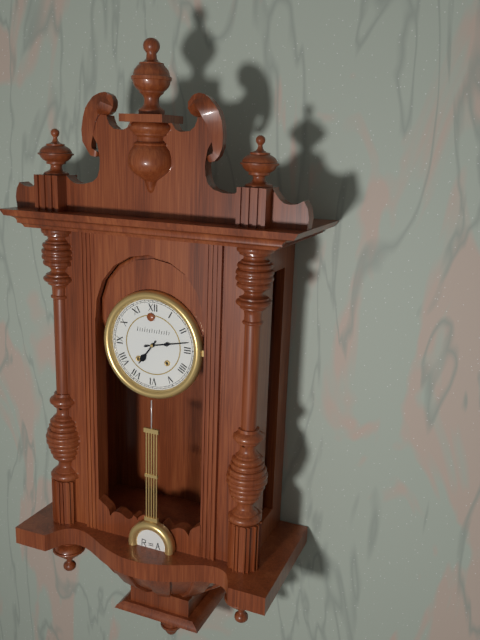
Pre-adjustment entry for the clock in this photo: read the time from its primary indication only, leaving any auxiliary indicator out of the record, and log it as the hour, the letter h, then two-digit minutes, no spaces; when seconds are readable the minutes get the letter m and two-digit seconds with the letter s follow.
7h13
